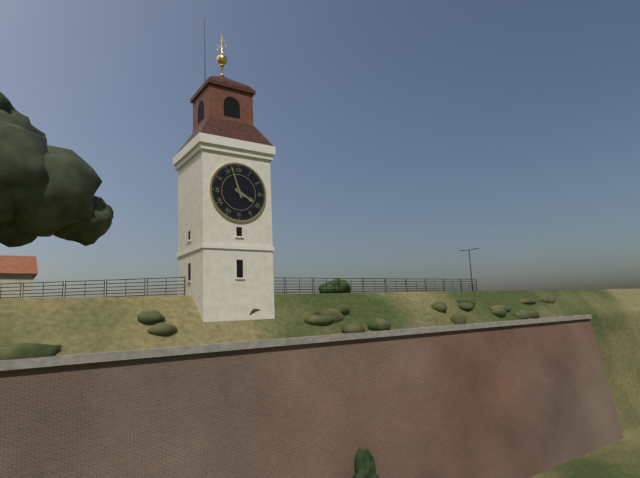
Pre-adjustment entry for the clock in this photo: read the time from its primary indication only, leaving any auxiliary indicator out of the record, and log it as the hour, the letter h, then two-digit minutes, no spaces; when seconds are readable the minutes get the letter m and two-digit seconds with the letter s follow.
3h57
